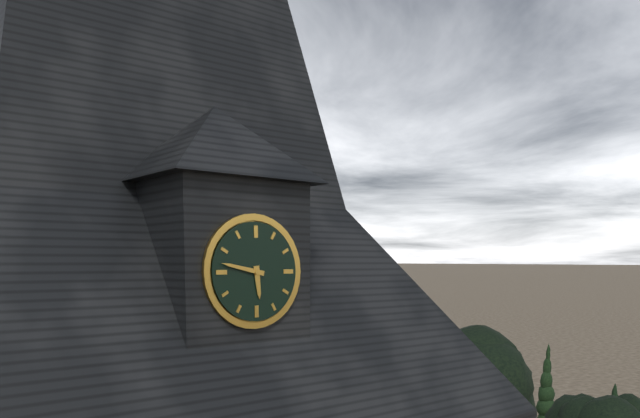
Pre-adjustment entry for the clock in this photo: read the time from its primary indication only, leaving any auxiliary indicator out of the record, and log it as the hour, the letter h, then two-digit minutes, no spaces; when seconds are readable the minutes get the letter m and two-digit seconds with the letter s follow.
5h47
